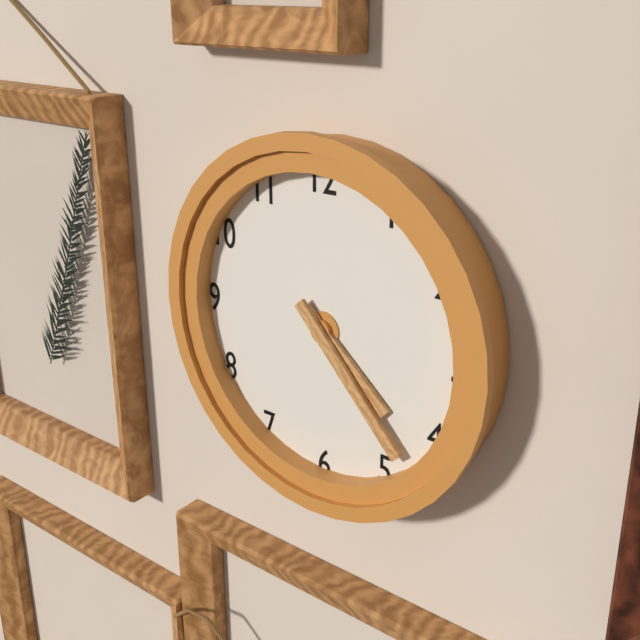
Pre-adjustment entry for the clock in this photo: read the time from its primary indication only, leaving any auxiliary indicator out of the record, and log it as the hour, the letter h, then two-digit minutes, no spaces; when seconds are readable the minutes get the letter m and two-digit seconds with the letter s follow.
4h23
